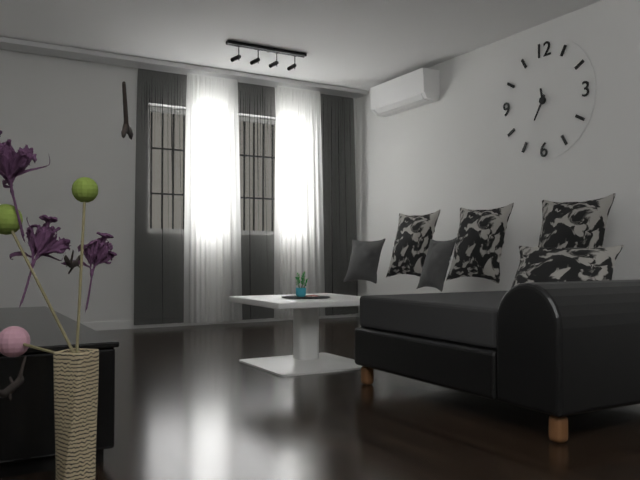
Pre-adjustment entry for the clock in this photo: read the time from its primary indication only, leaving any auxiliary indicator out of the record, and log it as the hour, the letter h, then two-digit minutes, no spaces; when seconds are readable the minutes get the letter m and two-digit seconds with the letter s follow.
11h35
